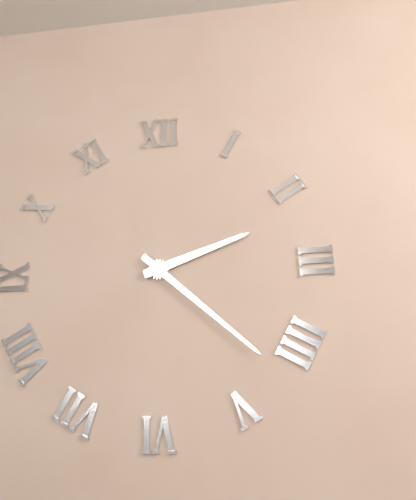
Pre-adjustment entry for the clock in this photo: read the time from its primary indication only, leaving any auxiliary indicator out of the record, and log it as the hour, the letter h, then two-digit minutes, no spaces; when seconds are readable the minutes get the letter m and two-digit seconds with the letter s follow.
2h22
